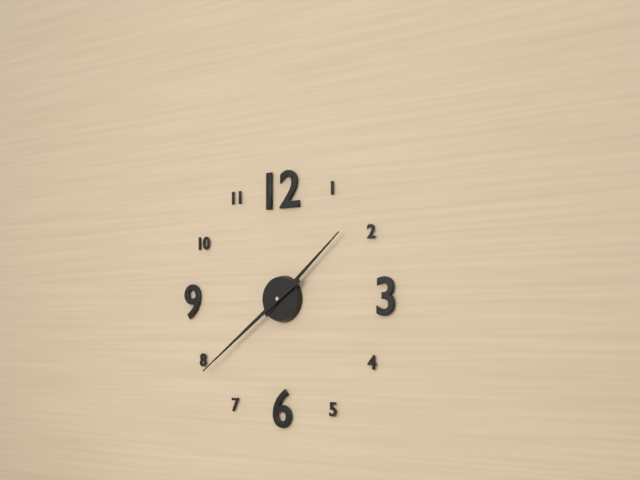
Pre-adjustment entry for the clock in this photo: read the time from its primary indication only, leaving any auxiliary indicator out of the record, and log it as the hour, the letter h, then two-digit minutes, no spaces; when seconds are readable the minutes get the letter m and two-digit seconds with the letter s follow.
1h39
